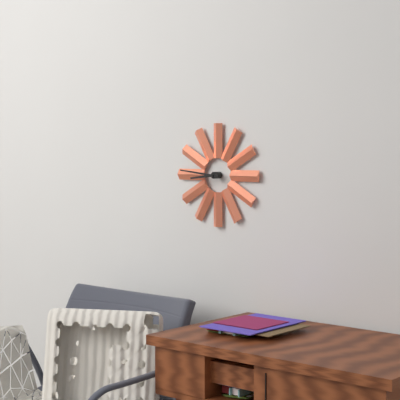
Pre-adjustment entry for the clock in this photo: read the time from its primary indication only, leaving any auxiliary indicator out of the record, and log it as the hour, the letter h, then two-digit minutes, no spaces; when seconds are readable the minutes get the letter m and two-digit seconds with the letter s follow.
8h46
